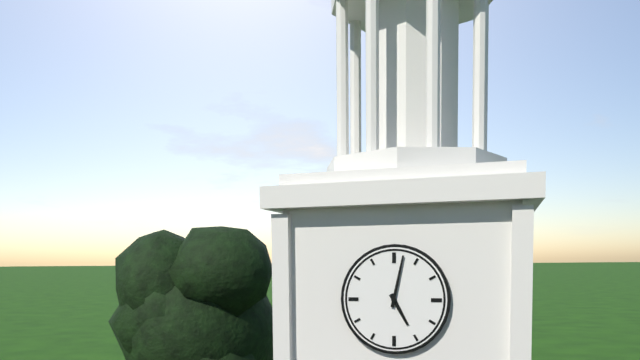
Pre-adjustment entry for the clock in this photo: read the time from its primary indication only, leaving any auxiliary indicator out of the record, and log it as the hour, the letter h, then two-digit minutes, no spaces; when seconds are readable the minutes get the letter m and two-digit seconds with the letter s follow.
5h02
